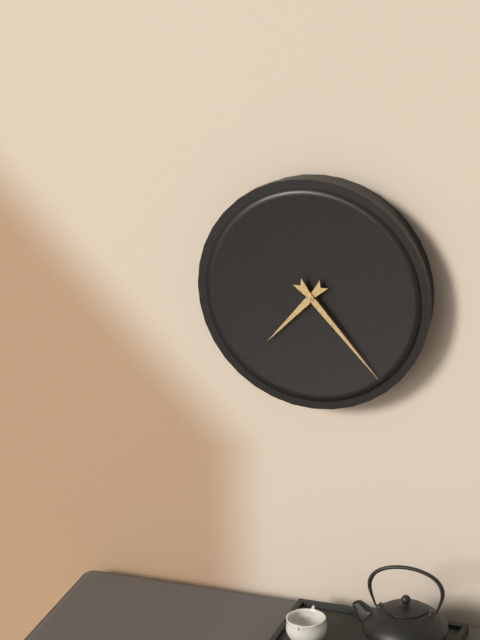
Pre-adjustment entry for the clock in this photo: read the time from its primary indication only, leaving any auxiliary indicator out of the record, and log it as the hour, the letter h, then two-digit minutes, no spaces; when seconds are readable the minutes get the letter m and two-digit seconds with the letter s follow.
7h23
